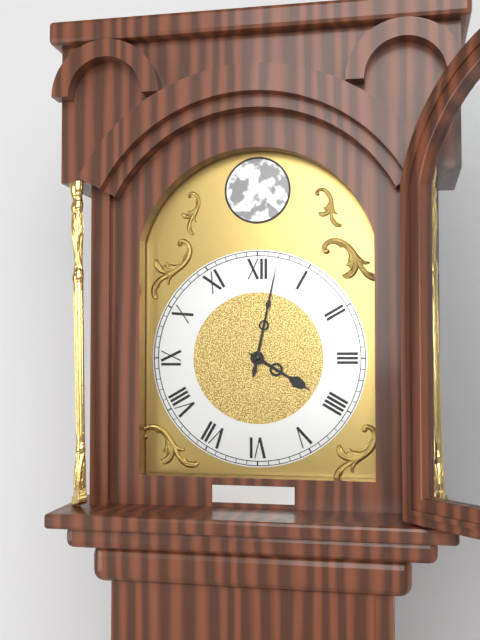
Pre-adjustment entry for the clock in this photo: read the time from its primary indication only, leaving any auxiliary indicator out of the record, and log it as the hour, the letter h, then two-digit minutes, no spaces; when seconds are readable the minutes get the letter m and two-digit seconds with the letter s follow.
4h02
